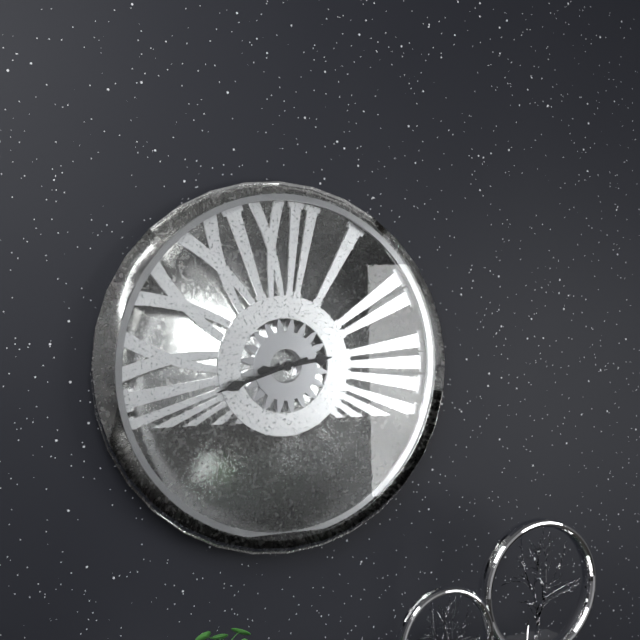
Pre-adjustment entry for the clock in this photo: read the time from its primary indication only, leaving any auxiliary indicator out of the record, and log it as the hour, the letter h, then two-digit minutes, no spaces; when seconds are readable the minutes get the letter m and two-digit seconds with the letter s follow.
2h42
